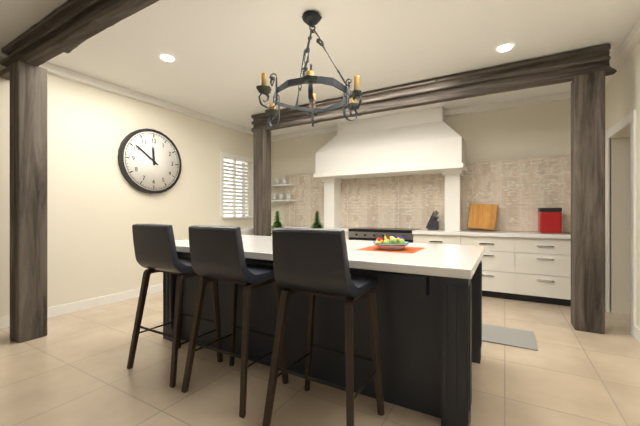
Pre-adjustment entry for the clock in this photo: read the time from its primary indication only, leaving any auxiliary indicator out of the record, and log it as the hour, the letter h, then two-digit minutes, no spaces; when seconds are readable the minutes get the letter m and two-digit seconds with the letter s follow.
11h51
